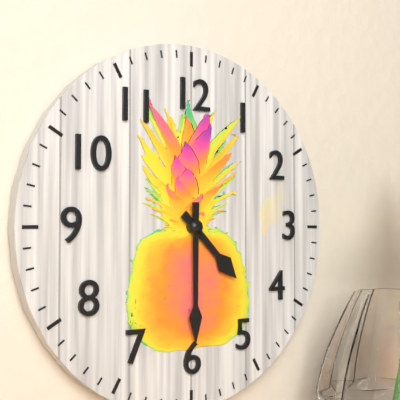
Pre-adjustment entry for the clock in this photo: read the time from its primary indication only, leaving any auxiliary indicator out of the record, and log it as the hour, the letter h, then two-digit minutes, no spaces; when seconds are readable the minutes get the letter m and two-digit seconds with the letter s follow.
4h30
